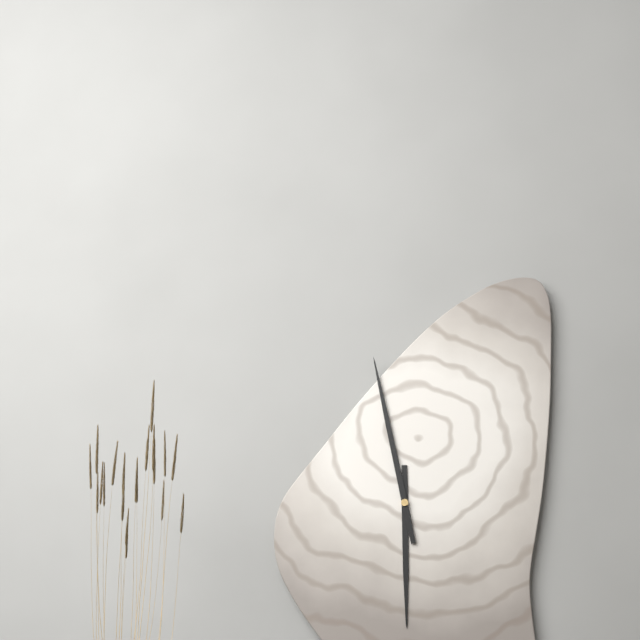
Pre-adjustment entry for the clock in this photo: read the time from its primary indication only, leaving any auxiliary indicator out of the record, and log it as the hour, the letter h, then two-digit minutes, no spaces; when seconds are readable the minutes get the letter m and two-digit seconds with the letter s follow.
5h58
